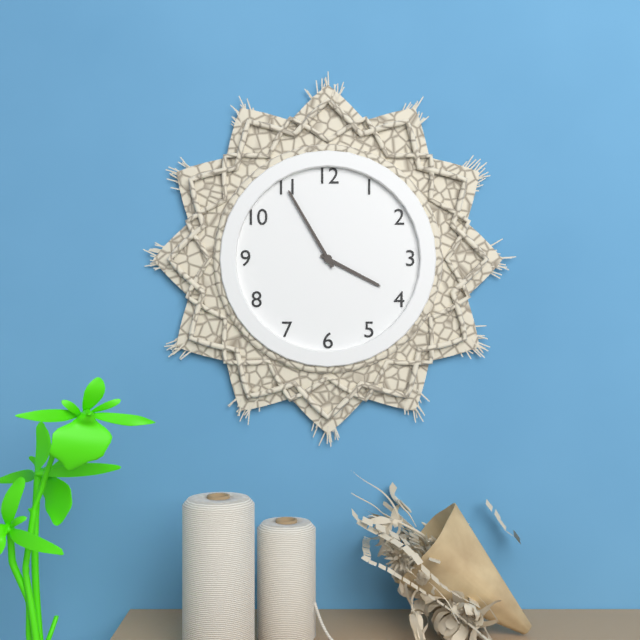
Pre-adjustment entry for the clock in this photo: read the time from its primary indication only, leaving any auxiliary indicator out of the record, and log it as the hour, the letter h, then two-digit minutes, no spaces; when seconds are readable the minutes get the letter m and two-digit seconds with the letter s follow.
3h55
